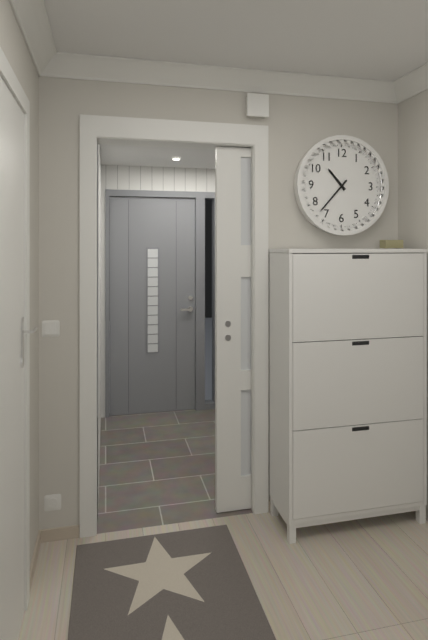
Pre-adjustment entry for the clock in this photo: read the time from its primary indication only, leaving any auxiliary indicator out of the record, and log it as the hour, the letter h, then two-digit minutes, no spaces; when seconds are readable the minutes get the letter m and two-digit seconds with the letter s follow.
10h37
